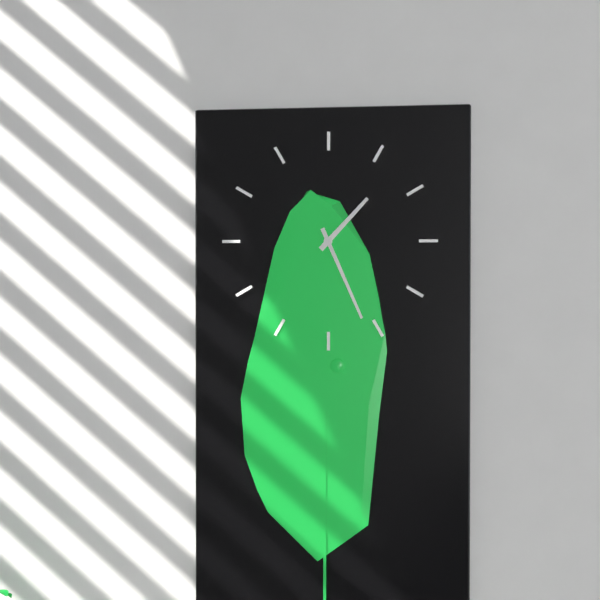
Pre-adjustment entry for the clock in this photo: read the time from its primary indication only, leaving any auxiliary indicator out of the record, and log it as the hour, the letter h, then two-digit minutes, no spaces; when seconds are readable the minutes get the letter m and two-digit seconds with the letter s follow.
1h26
